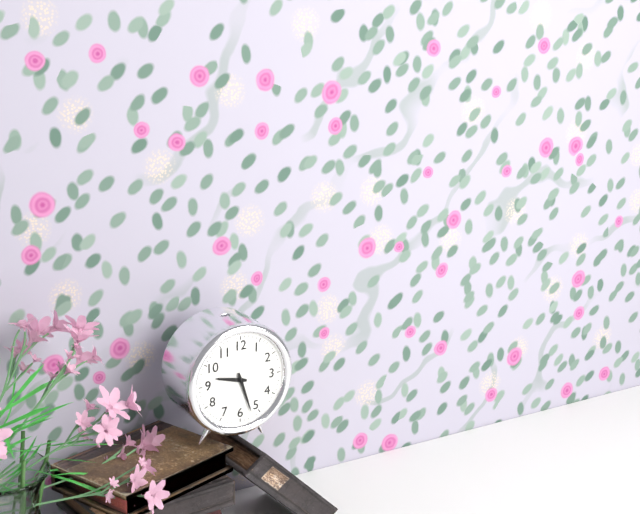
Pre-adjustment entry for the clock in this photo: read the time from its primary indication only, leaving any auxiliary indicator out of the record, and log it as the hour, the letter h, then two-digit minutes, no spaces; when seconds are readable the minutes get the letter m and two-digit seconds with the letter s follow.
9h27
